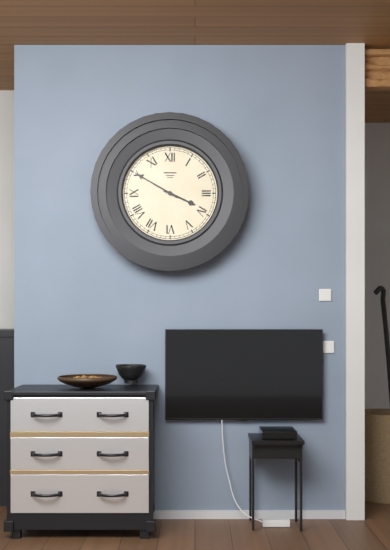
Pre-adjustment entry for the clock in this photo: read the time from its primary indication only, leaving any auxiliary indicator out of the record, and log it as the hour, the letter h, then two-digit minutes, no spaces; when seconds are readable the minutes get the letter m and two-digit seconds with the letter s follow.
3h50
